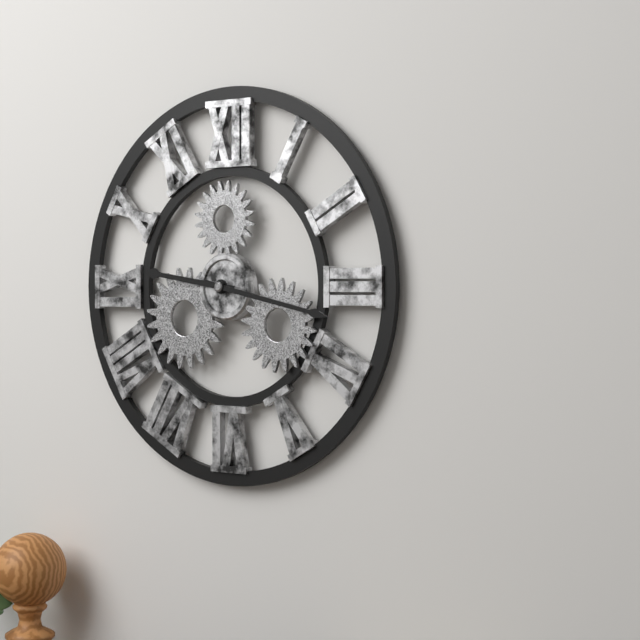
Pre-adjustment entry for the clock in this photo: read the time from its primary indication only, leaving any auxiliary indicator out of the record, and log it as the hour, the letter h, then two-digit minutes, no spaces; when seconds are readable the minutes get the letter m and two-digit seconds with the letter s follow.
9h17
